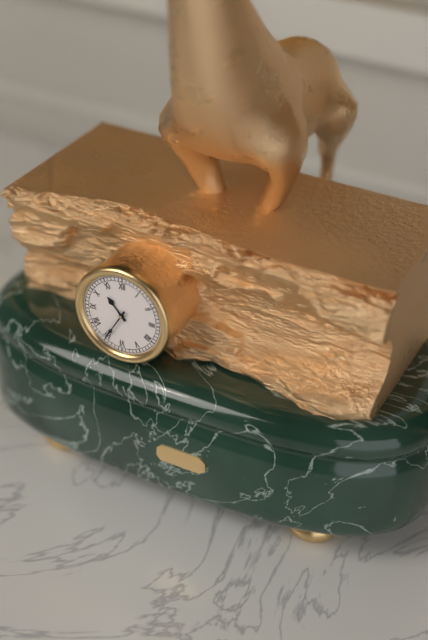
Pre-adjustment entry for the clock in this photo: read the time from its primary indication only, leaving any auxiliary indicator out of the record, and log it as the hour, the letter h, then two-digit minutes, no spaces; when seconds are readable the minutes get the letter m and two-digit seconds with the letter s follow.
10h35
